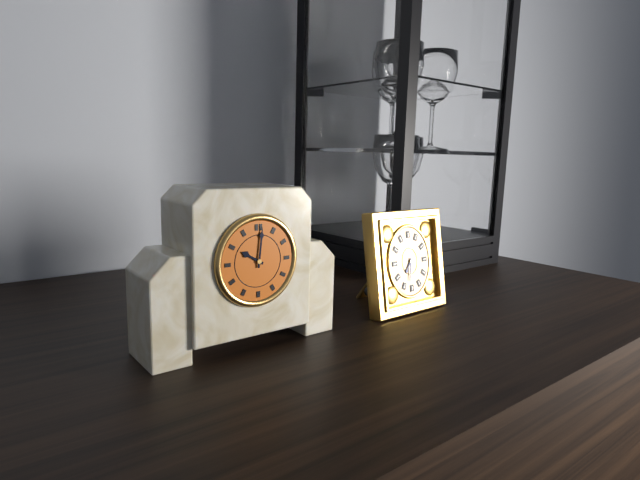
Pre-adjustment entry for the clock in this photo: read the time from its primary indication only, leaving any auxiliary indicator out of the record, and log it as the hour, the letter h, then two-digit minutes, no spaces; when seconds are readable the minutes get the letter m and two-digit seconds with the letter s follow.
10h01
